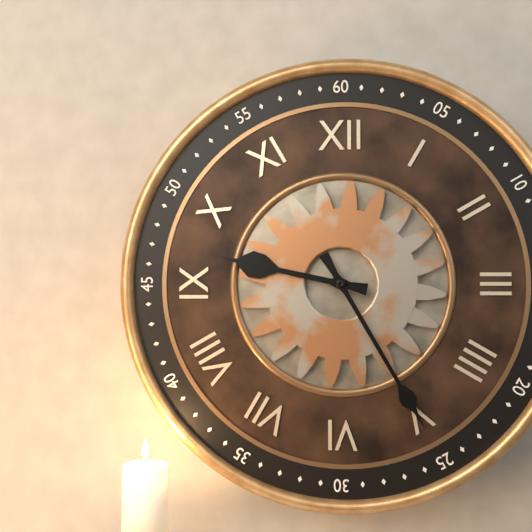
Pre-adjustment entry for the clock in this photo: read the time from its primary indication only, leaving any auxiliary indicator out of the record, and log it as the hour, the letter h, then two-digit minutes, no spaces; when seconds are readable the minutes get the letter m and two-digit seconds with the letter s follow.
9h25
